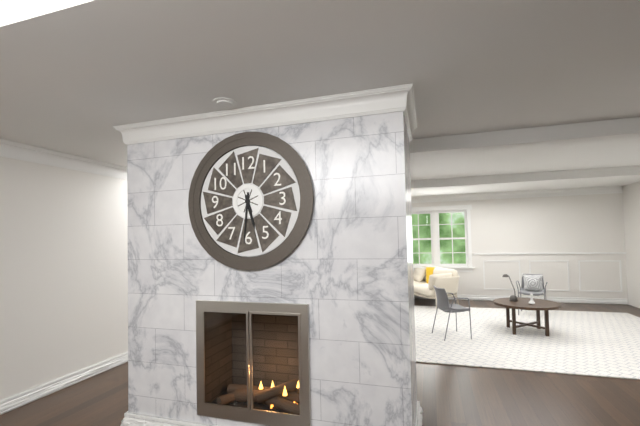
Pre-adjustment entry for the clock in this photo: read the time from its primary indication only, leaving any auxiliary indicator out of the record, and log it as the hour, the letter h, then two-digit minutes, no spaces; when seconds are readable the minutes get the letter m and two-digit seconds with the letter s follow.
5h31
